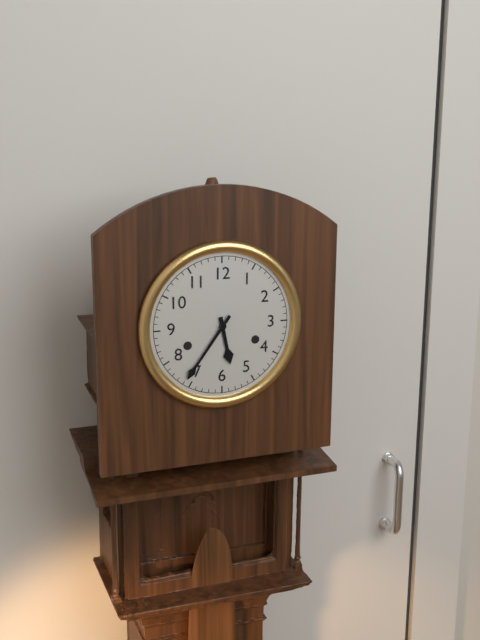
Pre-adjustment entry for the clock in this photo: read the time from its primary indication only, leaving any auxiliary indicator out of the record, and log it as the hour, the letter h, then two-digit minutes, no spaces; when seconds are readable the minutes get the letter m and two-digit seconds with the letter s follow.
5h36
